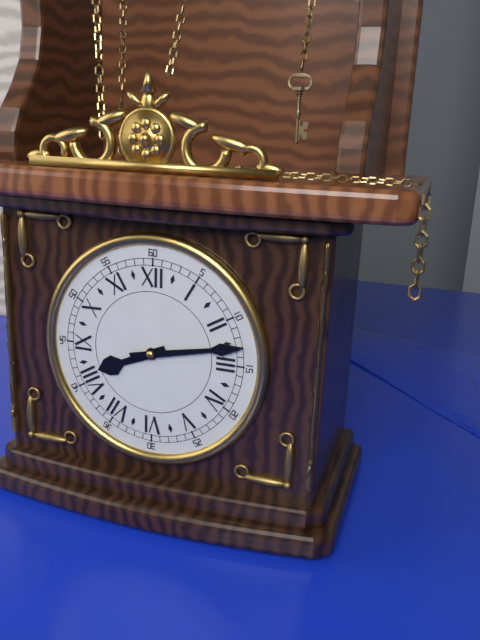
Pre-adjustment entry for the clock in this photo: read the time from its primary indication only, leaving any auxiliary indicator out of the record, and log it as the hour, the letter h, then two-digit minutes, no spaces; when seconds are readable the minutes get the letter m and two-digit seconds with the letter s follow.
8h13
